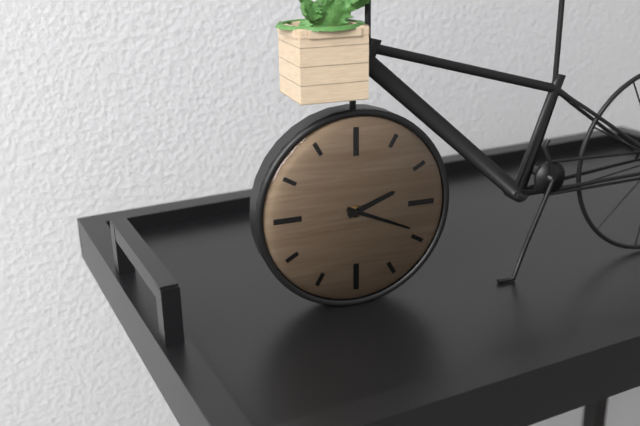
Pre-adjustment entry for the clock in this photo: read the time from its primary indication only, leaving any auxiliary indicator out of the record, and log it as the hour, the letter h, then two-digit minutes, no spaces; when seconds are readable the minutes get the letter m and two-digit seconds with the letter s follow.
2h19
